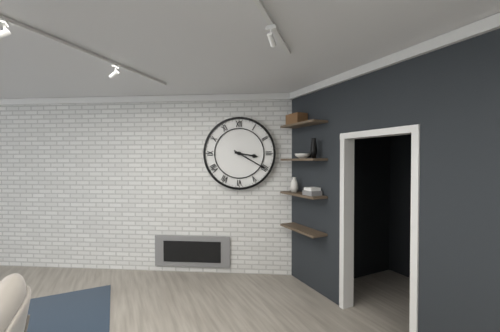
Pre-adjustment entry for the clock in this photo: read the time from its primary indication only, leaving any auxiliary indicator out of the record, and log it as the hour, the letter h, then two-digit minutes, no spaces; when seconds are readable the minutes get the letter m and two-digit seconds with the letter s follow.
3h20
